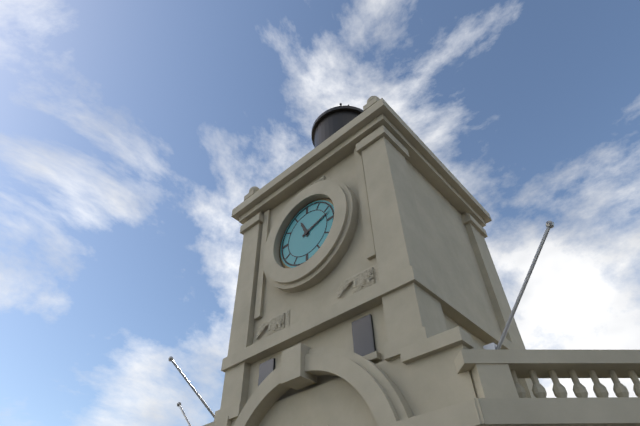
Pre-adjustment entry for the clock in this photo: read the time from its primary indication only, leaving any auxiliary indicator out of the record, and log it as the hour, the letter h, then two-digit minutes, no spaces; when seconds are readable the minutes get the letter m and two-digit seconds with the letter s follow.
11h12
